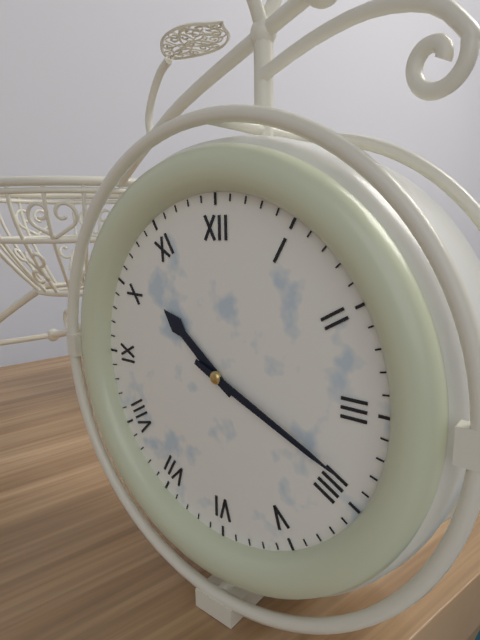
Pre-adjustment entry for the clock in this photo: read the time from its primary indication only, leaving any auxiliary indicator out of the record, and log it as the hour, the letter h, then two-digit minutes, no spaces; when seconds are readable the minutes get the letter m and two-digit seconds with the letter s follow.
10h19
